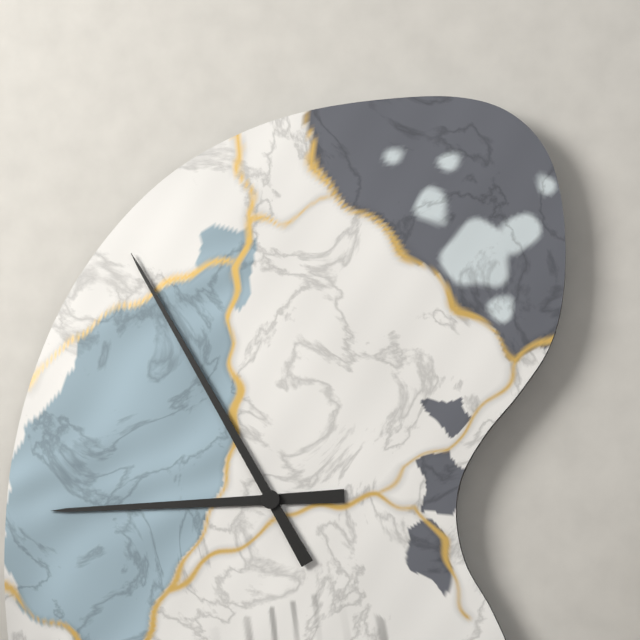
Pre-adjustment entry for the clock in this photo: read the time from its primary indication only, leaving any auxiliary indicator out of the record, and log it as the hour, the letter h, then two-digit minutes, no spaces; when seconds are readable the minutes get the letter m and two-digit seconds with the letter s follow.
8h55
